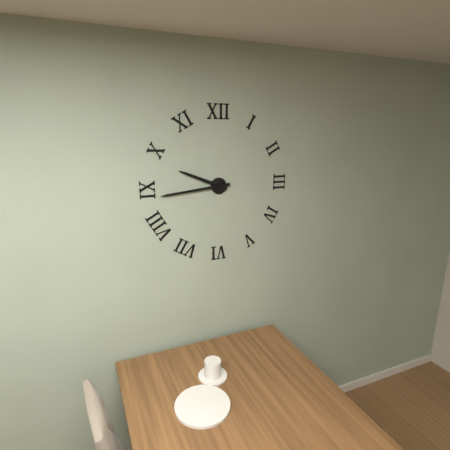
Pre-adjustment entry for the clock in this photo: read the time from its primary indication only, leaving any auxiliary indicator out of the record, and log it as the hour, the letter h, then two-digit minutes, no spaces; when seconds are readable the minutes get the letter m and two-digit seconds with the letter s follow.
9h44
